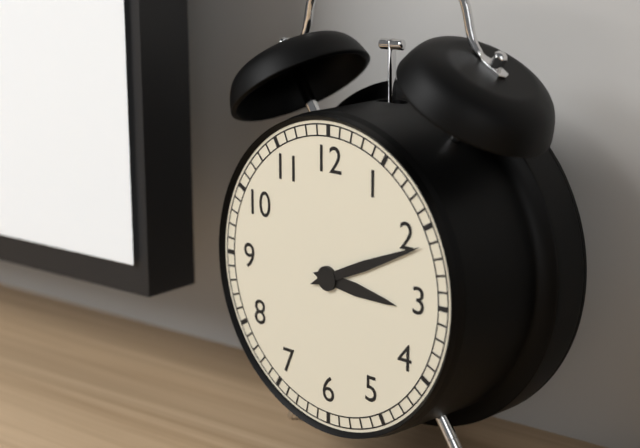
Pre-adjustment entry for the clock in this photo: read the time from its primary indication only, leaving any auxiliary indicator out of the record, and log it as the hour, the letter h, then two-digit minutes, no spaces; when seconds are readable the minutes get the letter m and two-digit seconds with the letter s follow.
3h11
